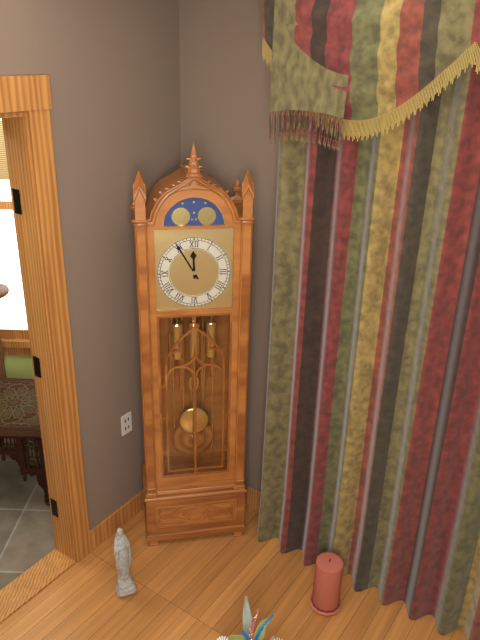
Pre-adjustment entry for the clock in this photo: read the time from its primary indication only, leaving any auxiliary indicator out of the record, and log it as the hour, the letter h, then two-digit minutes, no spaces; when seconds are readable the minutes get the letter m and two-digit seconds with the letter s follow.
11h55
